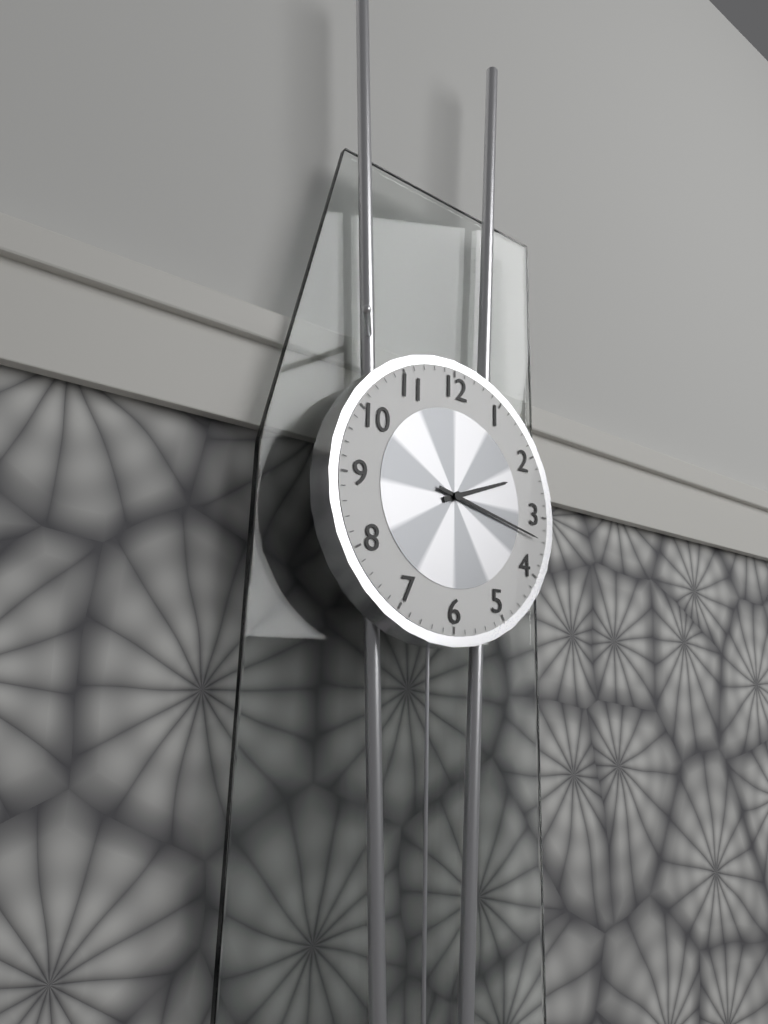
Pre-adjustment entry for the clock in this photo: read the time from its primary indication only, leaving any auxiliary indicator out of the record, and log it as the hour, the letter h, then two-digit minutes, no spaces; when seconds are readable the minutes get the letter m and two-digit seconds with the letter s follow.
2h17
